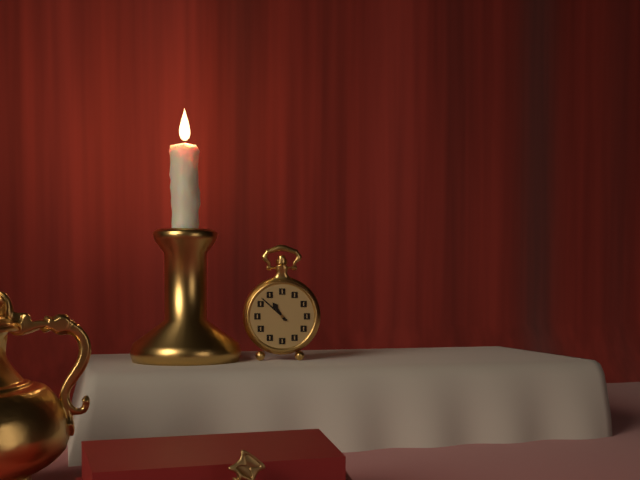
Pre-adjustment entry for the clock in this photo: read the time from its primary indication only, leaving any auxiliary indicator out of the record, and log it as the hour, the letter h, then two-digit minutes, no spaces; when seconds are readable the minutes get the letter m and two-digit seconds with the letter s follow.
10h52
